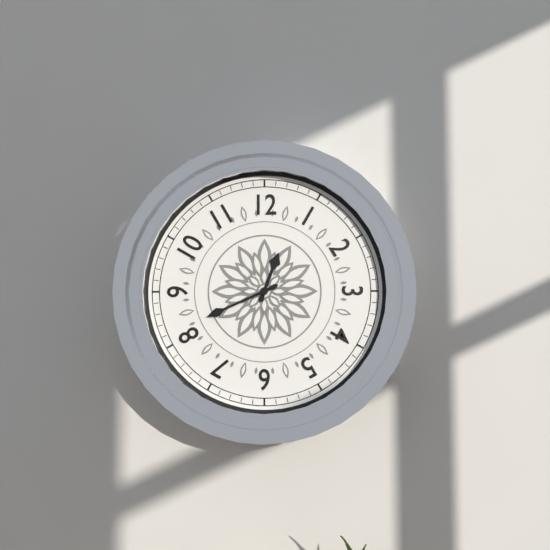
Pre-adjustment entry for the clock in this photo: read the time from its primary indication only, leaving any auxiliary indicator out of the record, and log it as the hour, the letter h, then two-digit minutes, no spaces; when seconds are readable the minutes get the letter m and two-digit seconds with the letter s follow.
12h41
